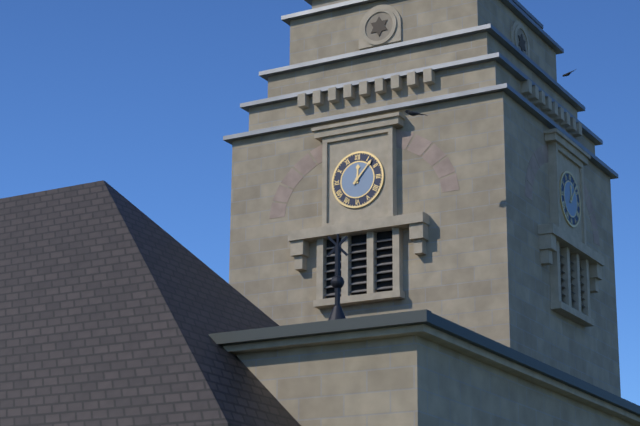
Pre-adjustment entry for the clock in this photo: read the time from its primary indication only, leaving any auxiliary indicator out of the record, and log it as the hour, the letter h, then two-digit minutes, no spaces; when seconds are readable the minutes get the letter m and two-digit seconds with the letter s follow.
12h07
